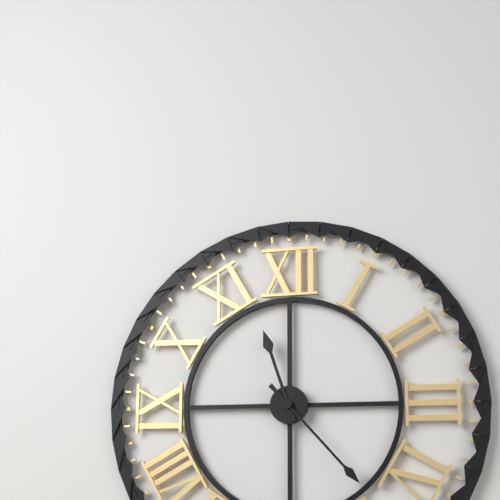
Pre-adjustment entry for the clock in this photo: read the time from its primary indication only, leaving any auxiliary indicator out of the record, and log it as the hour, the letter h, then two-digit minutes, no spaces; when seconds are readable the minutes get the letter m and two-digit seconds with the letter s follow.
11h23
